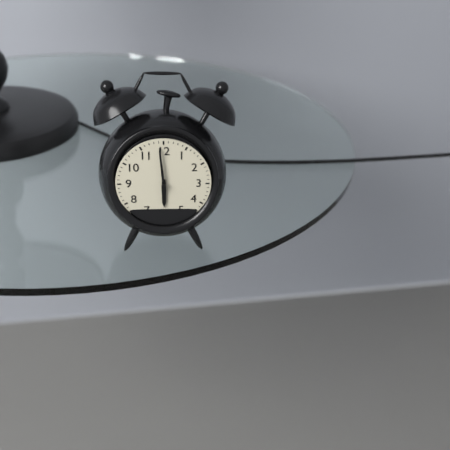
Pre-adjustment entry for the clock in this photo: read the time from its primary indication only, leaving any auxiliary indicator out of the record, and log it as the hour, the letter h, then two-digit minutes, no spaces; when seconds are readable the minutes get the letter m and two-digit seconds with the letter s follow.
5h59
